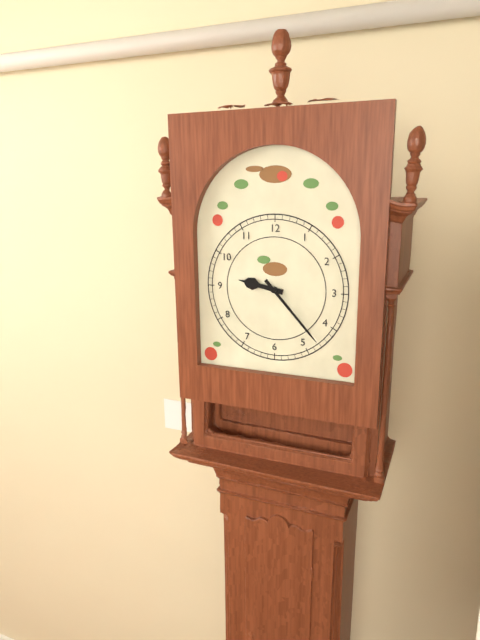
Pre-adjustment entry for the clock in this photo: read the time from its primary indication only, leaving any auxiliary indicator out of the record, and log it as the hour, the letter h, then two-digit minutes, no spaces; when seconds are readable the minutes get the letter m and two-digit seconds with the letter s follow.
9h23
